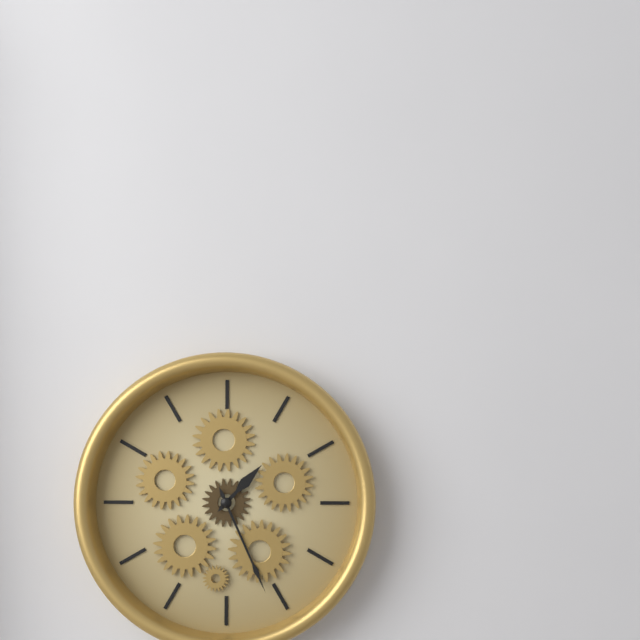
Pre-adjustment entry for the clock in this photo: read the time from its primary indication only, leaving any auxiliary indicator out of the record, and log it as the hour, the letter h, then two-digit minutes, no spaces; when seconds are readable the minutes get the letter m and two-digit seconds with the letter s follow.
1h26
